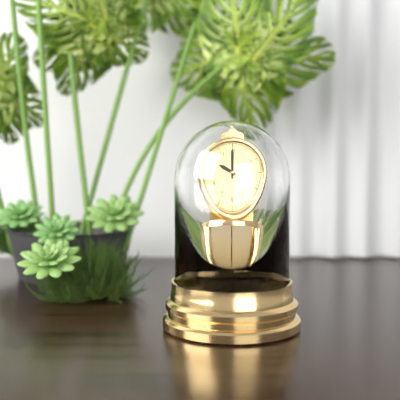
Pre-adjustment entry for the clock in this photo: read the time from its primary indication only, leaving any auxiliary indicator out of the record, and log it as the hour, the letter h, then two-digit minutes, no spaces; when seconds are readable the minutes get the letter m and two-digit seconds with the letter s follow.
10h00
